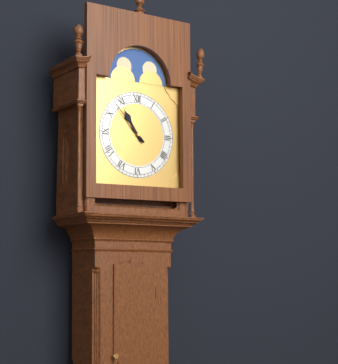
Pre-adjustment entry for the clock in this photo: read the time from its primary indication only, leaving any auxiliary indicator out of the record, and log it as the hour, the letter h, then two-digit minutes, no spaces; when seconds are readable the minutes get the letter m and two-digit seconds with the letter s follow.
10h53
